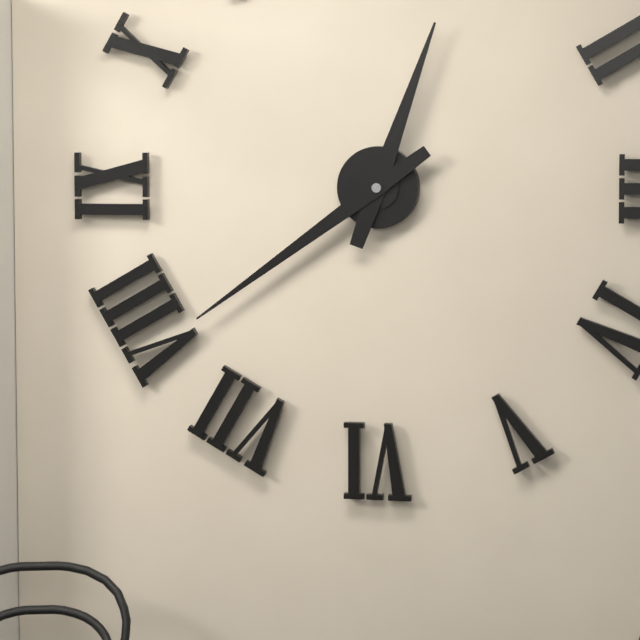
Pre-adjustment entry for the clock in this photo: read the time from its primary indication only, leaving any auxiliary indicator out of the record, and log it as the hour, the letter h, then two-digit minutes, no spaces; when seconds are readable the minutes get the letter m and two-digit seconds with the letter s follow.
12h39
